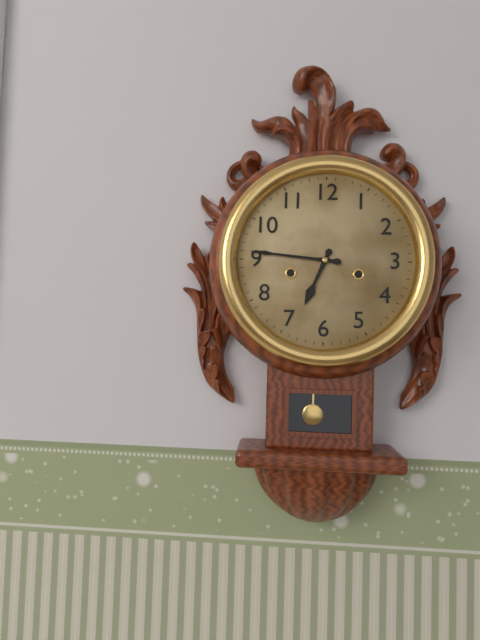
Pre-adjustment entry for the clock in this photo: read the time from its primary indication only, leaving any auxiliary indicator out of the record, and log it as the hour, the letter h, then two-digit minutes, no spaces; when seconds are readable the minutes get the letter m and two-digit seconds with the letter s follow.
6h46
